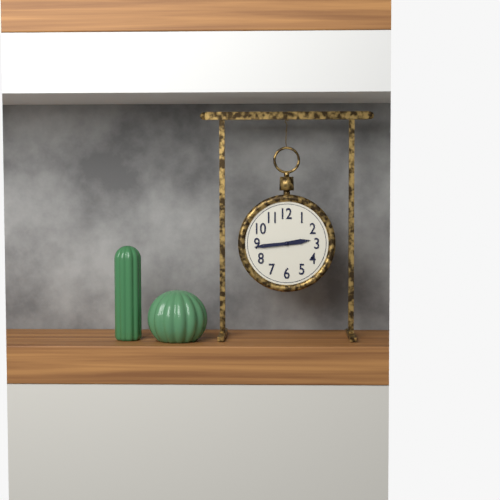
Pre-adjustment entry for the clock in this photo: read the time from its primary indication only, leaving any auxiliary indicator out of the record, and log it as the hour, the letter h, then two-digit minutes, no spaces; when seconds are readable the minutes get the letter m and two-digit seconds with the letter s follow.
2h44
